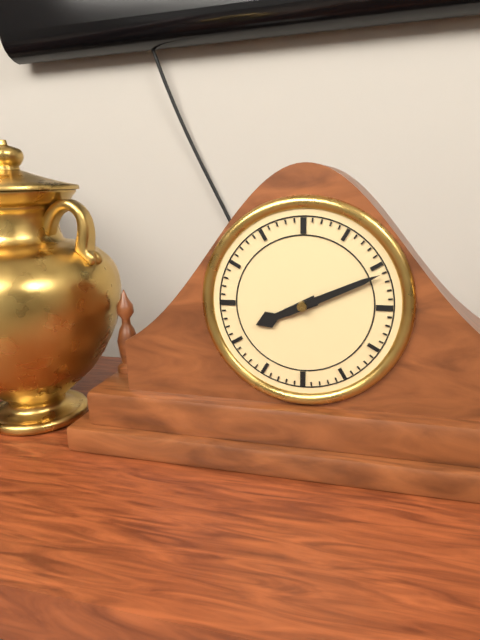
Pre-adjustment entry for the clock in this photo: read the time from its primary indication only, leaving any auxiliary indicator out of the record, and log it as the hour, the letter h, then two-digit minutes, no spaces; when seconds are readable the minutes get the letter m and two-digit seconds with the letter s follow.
8h11
